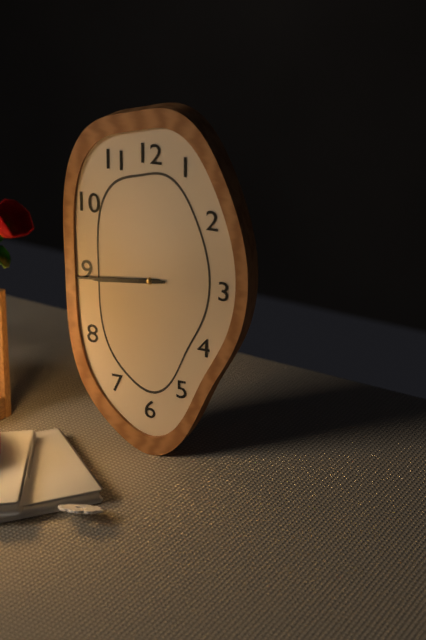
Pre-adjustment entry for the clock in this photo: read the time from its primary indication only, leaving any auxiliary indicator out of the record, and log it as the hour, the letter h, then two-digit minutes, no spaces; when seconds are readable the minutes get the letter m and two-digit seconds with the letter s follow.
8h44
